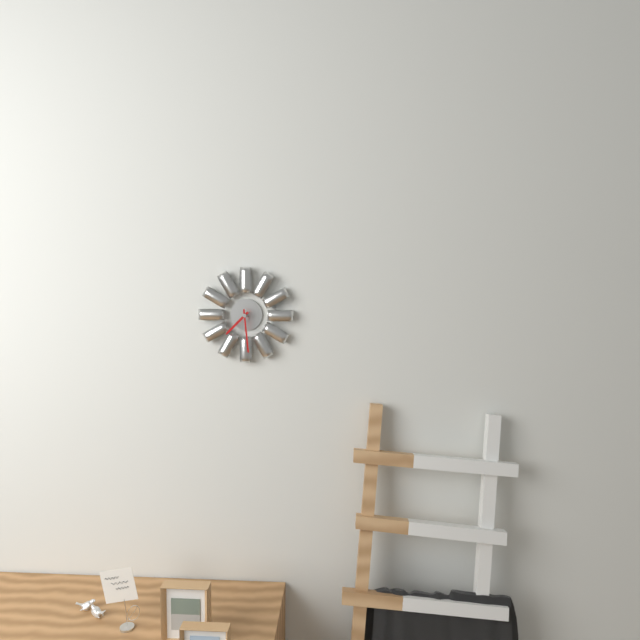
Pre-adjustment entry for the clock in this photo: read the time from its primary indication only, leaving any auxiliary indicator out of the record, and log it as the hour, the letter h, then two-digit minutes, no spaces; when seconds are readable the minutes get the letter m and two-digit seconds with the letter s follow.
7h29
